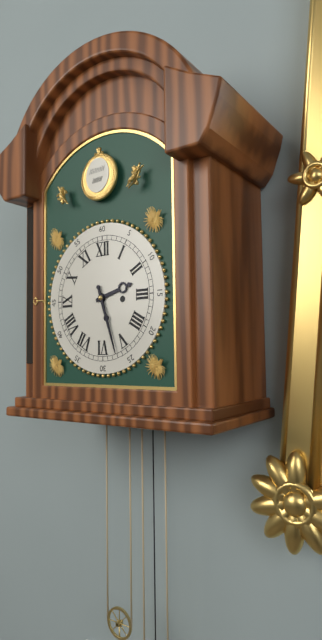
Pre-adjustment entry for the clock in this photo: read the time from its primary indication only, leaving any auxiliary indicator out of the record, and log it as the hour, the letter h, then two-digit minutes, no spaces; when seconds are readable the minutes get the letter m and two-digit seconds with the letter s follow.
2h27
